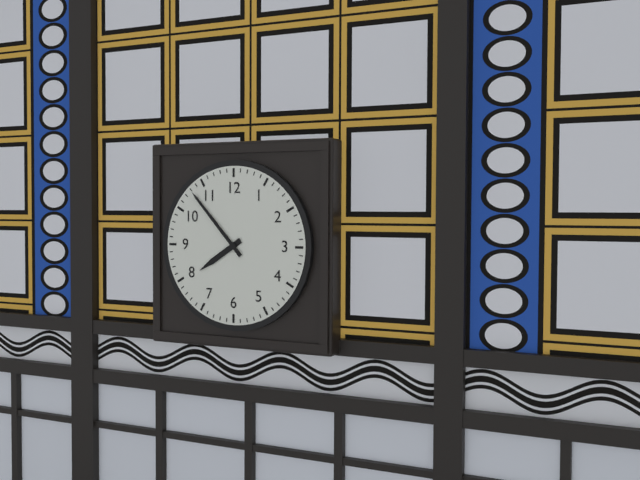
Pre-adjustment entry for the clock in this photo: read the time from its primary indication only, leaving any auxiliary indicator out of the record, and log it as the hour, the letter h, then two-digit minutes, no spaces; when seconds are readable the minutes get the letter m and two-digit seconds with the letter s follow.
7h53
